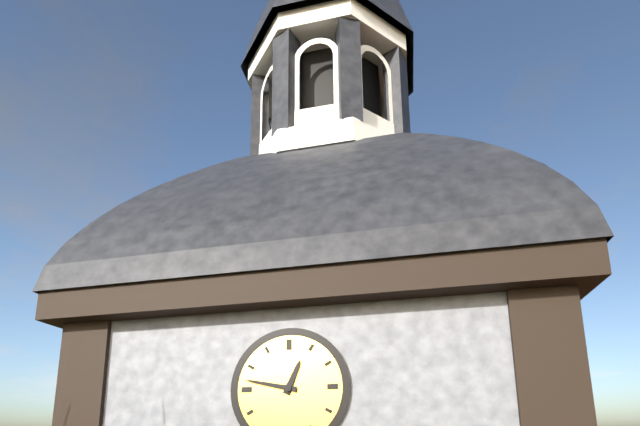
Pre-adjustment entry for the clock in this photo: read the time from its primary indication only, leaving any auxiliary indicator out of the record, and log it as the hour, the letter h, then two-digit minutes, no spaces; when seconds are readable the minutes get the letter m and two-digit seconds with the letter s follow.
12h47
